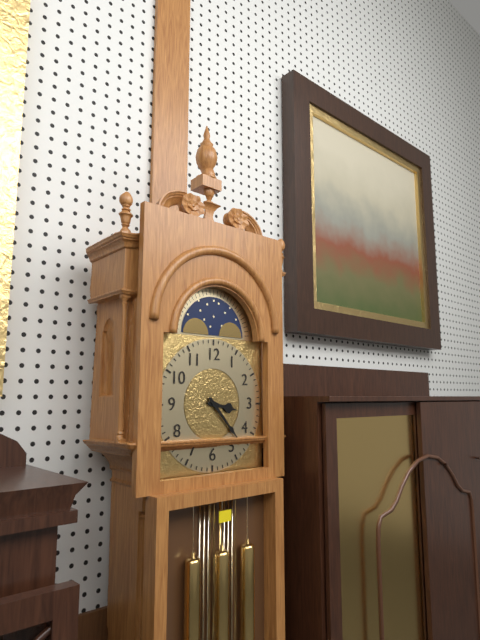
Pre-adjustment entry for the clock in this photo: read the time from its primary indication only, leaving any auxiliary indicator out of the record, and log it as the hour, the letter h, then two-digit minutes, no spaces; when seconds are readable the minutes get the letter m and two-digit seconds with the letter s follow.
3h23
